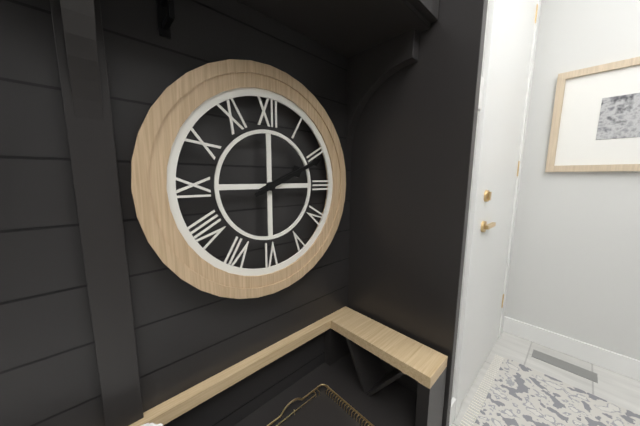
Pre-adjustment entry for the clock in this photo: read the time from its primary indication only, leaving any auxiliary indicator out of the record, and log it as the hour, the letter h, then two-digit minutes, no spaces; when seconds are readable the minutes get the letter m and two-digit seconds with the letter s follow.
2h11
